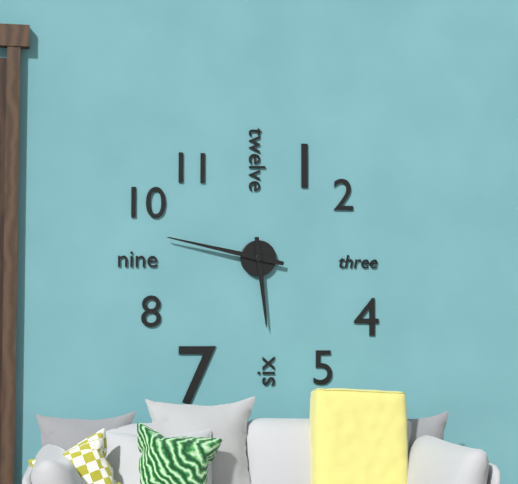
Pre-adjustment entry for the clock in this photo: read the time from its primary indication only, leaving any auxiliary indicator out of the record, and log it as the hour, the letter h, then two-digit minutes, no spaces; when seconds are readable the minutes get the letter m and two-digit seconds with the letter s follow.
5h47
